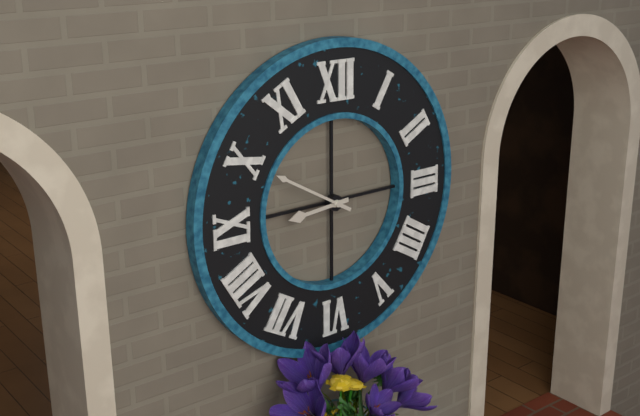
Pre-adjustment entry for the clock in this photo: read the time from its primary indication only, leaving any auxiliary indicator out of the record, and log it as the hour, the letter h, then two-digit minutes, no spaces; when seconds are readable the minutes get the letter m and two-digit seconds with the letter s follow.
8h50
